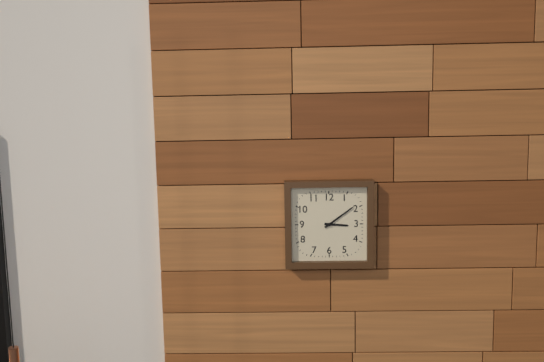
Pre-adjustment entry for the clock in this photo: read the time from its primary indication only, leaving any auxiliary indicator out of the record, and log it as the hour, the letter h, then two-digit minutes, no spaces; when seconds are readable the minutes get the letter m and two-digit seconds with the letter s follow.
3h09
